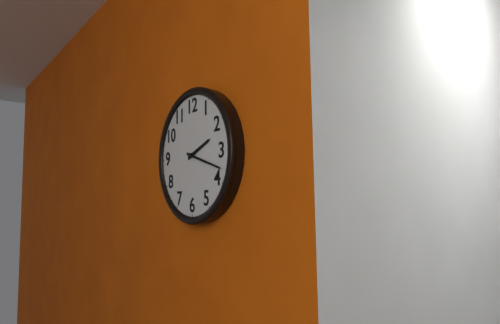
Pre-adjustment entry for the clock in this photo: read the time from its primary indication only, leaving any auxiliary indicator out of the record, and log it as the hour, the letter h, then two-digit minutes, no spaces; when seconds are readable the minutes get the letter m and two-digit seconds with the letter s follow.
2h18
